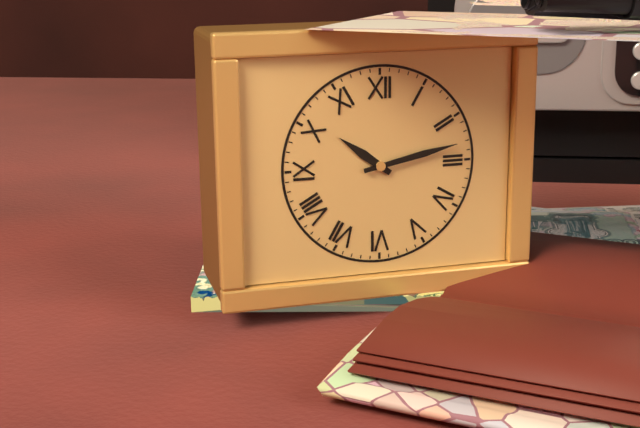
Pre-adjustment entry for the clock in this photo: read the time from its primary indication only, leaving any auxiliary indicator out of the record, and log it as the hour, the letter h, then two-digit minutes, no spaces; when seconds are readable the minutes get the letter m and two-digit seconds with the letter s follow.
10h13
